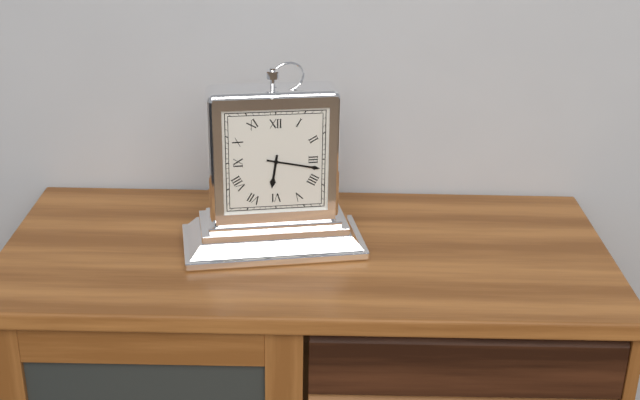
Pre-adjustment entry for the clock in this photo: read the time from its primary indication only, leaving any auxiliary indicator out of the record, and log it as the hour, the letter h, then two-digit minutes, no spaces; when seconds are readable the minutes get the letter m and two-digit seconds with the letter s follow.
6h17
